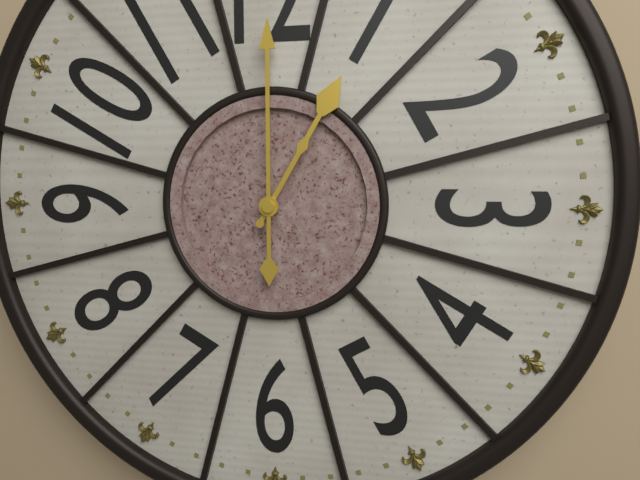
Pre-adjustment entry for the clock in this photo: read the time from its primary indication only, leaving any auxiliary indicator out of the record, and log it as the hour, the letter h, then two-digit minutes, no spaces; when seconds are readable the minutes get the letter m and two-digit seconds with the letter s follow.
1h00
